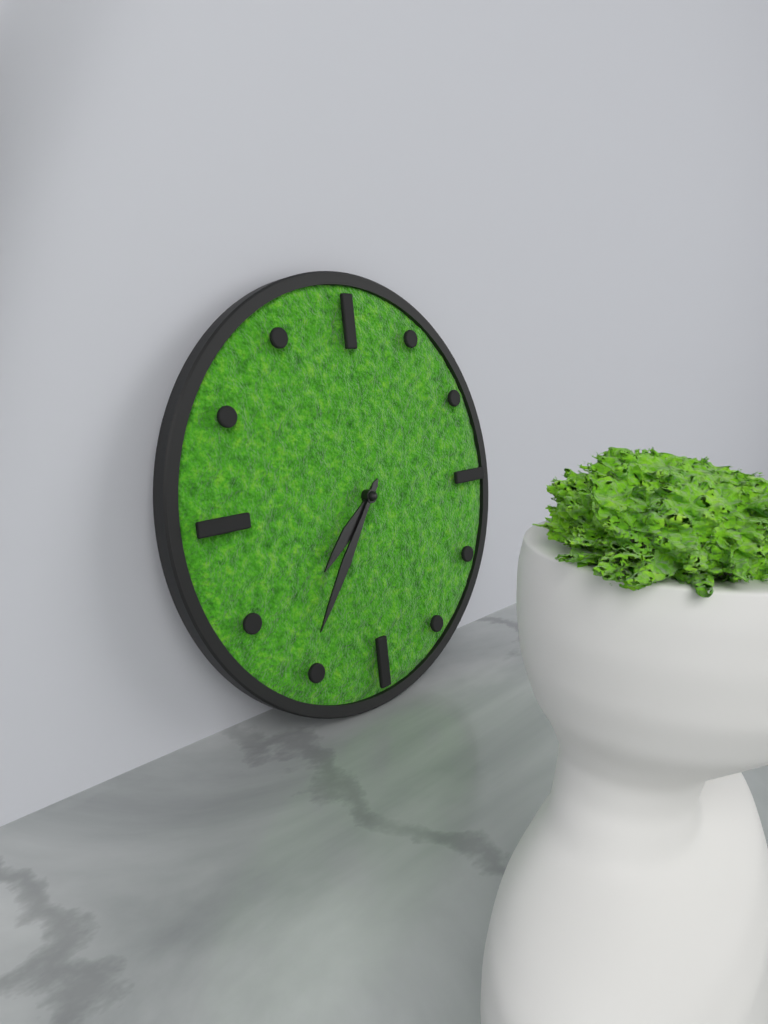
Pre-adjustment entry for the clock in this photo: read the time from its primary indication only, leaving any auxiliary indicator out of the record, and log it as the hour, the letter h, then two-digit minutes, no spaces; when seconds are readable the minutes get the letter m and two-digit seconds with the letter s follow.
7h36
